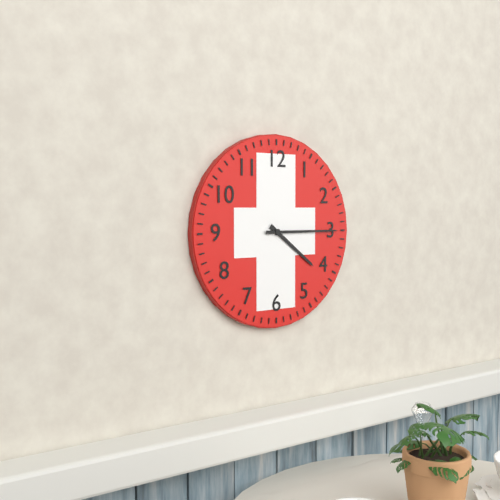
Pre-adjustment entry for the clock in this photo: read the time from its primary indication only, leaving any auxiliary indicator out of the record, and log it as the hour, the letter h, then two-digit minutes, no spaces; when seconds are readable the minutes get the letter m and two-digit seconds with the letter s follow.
4h15
